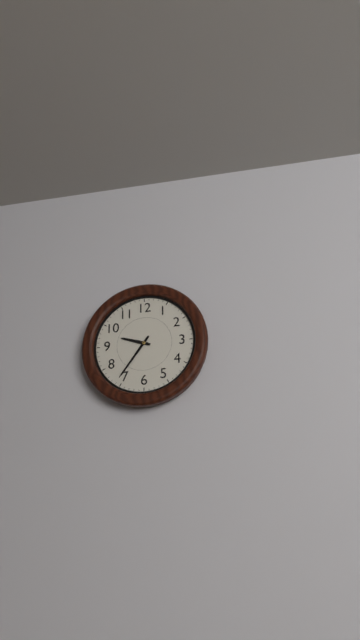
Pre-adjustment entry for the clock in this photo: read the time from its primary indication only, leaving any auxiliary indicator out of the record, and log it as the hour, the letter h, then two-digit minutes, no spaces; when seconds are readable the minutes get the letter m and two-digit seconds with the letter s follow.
9h36
